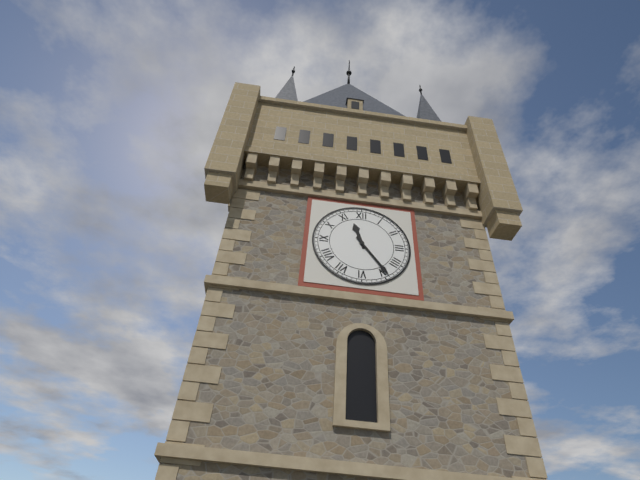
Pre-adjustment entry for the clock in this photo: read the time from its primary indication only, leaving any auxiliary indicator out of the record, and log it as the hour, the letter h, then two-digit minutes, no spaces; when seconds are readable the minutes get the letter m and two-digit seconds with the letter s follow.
11h24
